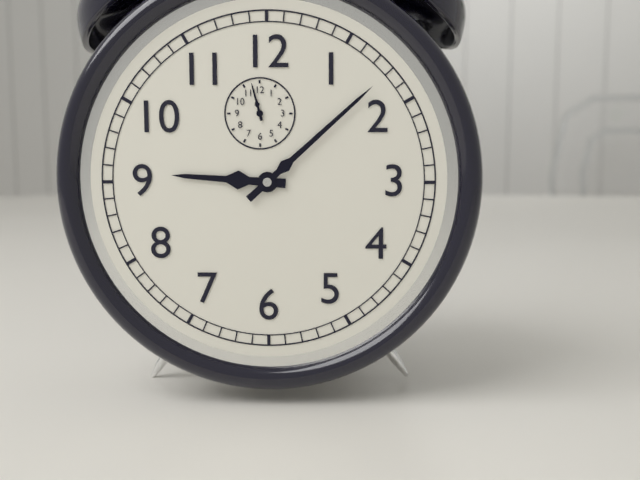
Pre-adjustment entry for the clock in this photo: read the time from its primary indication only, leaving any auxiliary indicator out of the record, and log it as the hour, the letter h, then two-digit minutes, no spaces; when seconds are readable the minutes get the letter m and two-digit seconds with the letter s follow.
9h08
